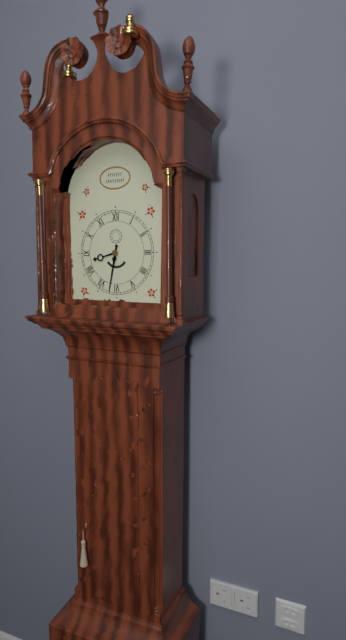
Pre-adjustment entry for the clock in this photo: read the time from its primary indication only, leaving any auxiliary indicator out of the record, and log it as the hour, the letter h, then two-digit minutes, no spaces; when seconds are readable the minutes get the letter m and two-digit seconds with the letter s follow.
8h32
